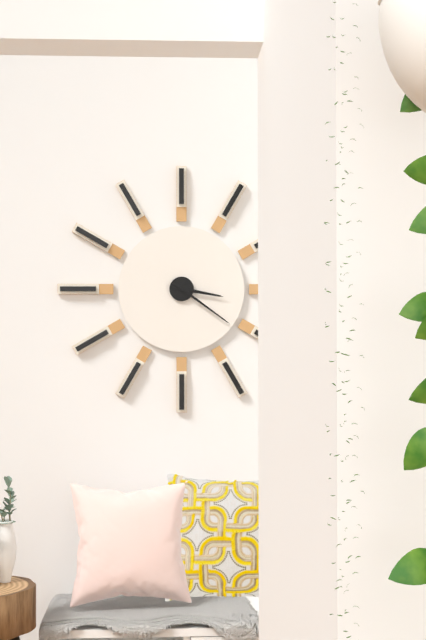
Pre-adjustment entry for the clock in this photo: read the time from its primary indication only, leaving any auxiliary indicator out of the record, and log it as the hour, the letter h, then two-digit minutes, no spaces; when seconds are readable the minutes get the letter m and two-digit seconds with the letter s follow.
3h21
